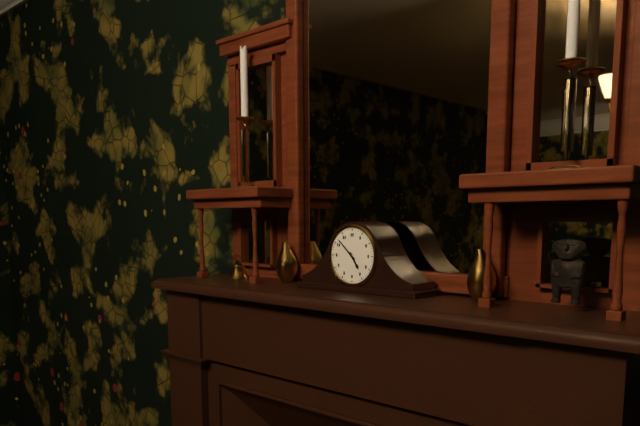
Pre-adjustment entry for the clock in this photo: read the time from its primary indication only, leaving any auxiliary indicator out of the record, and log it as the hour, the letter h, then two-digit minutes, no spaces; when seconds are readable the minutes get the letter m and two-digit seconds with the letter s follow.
4h52
